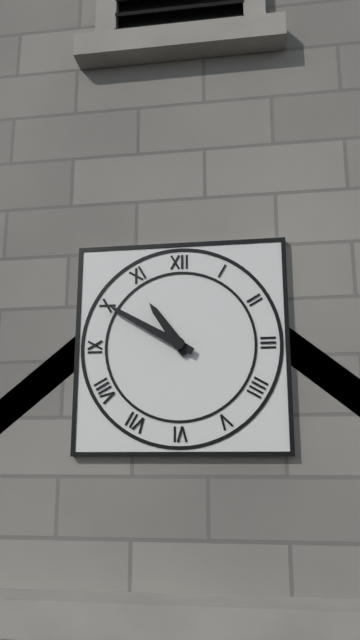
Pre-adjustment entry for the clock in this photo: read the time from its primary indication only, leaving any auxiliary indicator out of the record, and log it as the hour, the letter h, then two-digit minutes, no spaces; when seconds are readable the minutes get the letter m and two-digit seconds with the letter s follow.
10h50
